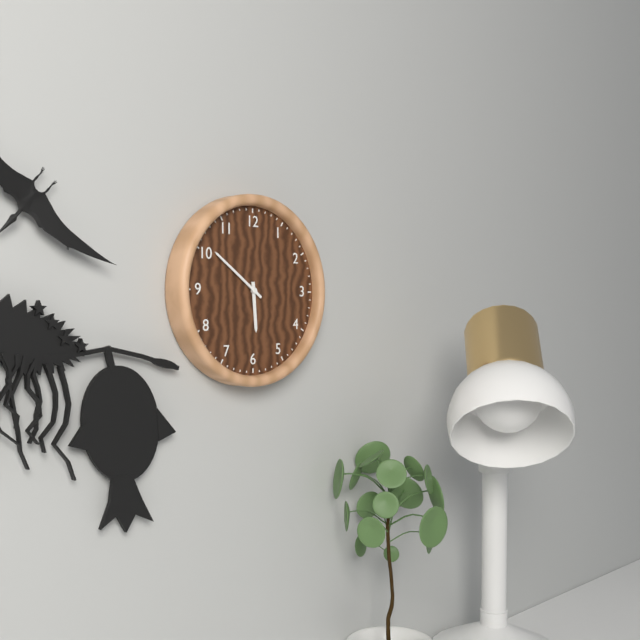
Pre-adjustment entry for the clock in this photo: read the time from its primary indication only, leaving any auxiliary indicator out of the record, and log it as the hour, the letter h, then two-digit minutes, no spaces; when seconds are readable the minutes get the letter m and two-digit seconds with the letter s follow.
5h51
